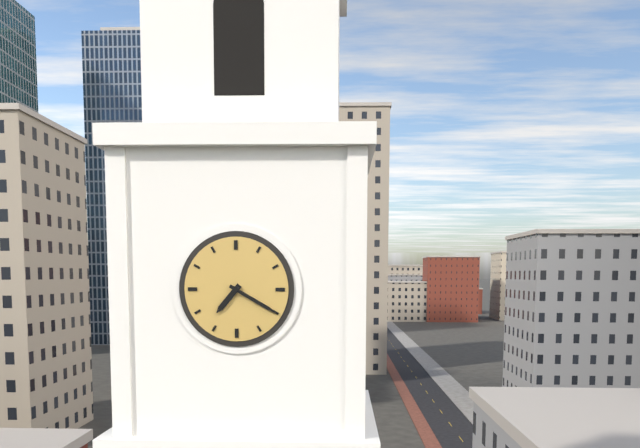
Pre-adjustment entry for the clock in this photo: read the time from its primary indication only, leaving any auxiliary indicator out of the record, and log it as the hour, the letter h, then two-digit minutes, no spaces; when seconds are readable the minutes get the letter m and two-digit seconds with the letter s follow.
7h20
